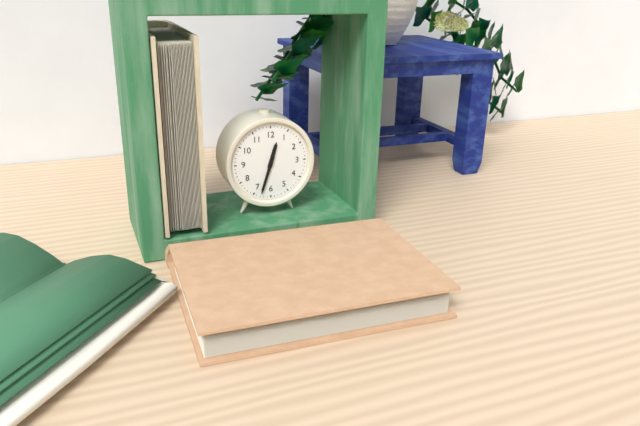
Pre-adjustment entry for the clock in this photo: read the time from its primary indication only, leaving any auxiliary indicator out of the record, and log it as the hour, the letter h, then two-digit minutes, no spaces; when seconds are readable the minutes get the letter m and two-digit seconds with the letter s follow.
12h33
